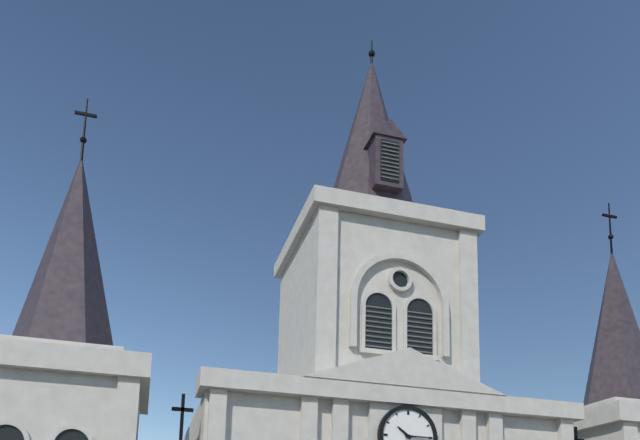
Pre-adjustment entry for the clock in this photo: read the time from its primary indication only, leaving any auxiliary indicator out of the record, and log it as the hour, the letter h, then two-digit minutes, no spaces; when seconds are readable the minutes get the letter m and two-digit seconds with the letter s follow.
10h15
